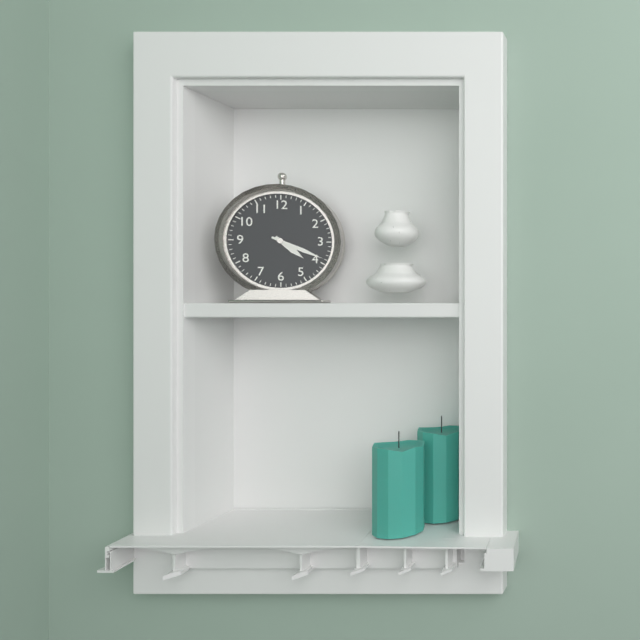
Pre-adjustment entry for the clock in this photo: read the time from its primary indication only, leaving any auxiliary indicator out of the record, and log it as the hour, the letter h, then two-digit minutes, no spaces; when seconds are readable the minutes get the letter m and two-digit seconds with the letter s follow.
4h19
